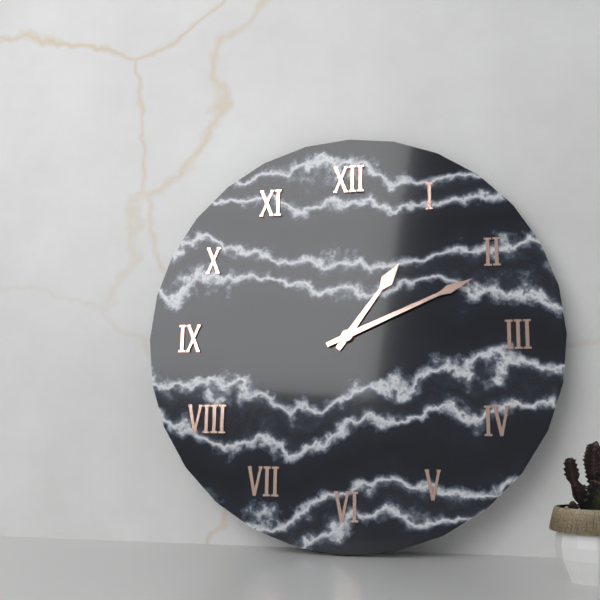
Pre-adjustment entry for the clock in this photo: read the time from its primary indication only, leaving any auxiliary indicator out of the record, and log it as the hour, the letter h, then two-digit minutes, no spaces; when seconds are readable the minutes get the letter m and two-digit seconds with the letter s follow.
1h11
